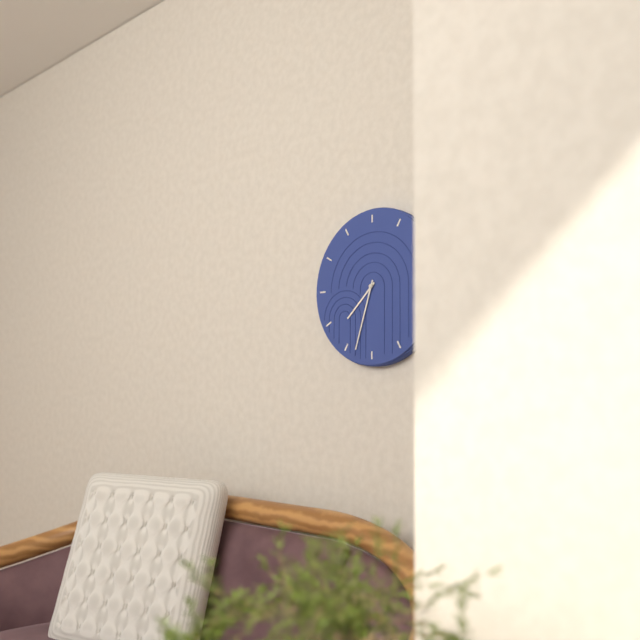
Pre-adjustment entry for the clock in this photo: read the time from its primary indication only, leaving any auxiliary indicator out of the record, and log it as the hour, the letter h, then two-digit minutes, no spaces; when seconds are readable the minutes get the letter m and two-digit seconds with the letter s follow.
7h33
